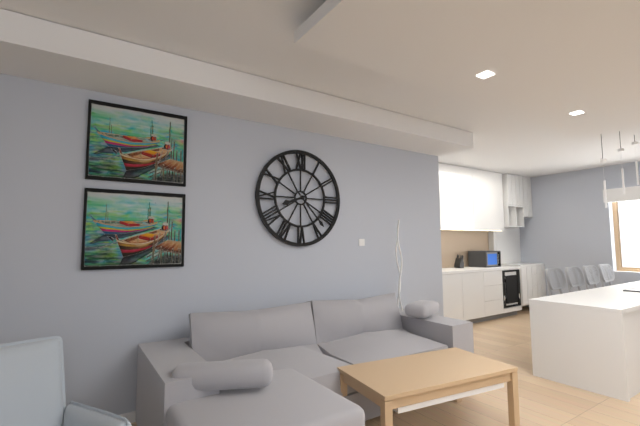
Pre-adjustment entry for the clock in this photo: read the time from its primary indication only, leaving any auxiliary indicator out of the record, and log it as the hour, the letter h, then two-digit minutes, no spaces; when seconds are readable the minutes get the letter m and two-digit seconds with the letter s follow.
8h23
